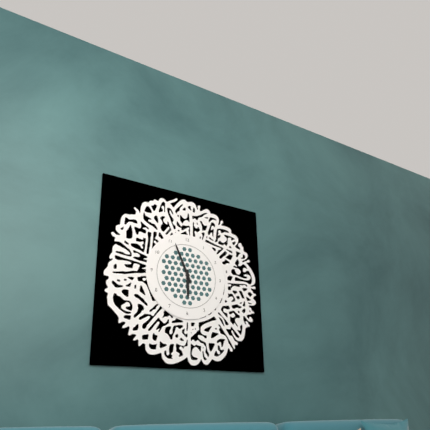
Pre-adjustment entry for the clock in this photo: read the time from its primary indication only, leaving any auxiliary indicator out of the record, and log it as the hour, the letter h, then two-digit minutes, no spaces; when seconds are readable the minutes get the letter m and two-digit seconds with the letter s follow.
5h56
